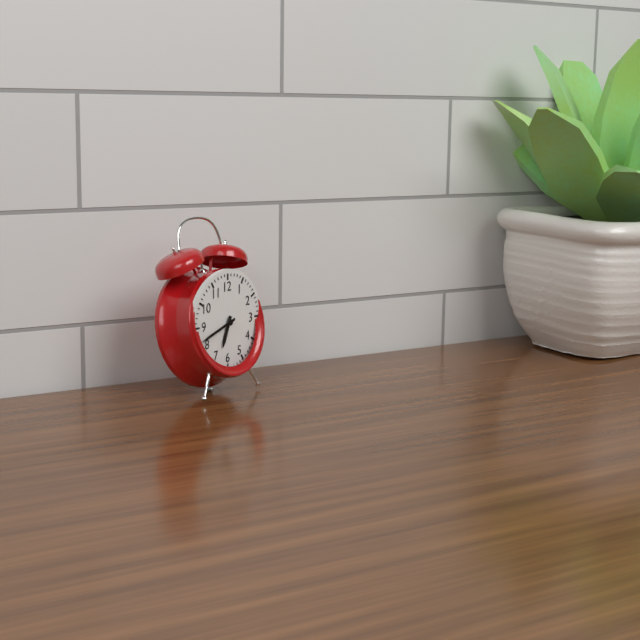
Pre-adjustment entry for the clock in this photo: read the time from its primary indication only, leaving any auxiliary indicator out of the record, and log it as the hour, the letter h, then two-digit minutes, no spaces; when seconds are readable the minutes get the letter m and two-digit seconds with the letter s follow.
6h42
